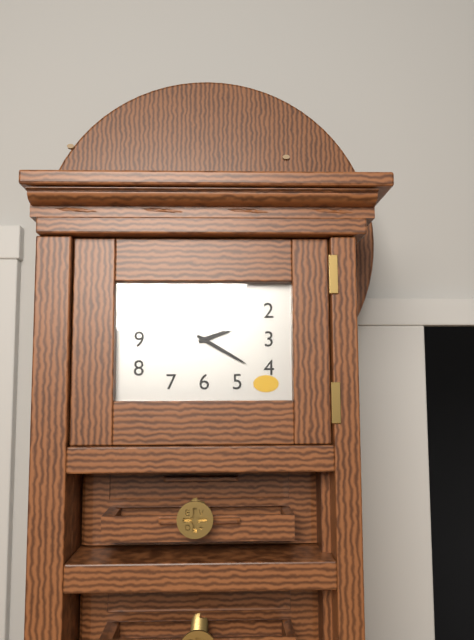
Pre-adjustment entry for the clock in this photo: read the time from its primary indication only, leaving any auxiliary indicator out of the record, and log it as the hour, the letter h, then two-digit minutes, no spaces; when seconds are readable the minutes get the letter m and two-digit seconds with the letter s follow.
2h20
